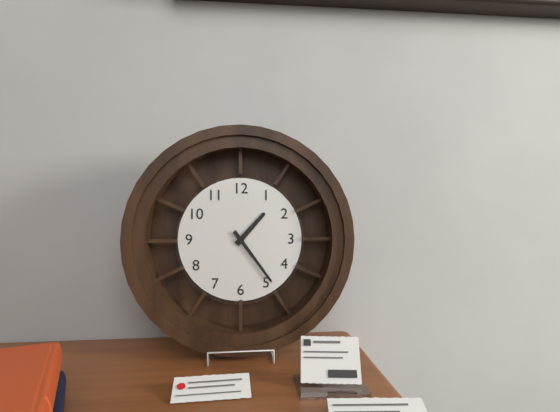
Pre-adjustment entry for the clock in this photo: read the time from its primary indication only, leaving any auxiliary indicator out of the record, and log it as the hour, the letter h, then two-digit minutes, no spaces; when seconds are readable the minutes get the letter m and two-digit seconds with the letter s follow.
1h24
